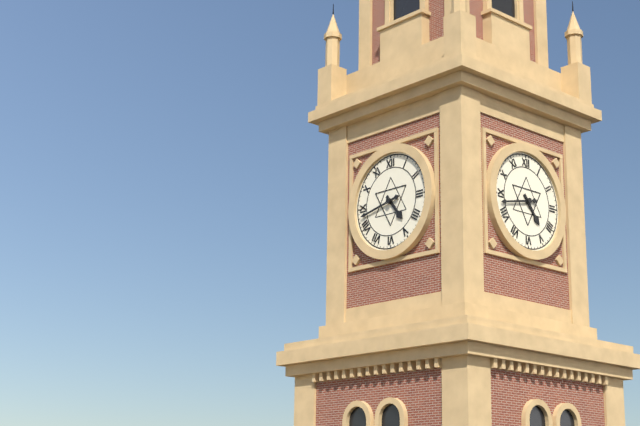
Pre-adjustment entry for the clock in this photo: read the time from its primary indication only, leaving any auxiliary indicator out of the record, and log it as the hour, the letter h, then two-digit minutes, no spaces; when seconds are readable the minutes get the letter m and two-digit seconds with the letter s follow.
4h43
